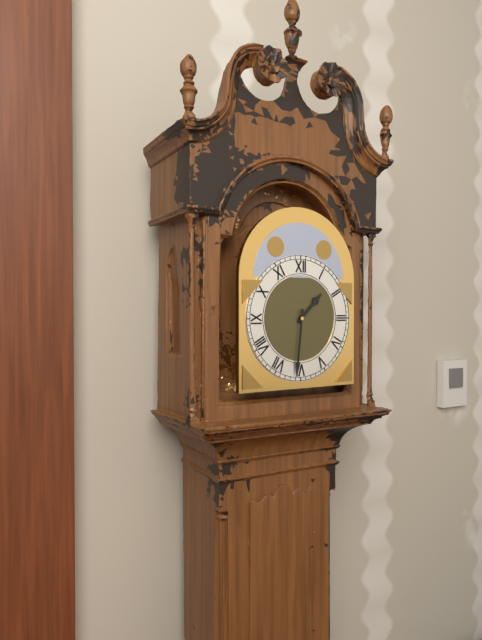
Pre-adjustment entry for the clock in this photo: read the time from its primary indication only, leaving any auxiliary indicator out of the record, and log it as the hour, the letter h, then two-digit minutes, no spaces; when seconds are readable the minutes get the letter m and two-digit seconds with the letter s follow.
1h31
